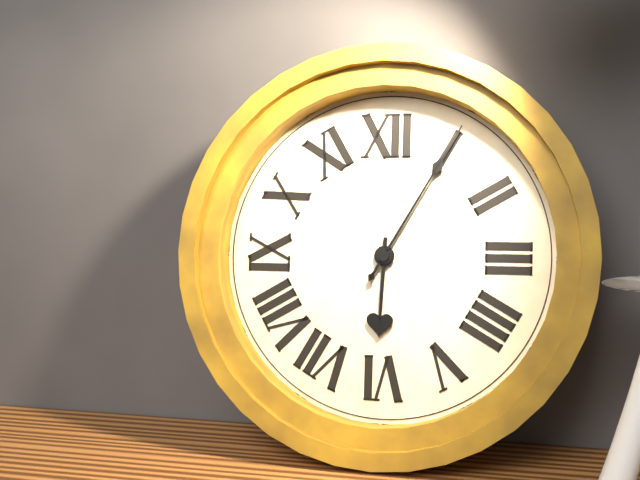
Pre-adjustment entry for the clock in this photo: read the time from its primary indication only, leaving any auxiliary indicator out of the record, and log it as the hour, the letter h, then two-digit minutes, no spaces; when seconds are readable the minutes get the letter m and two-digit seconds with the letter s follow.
6h05
